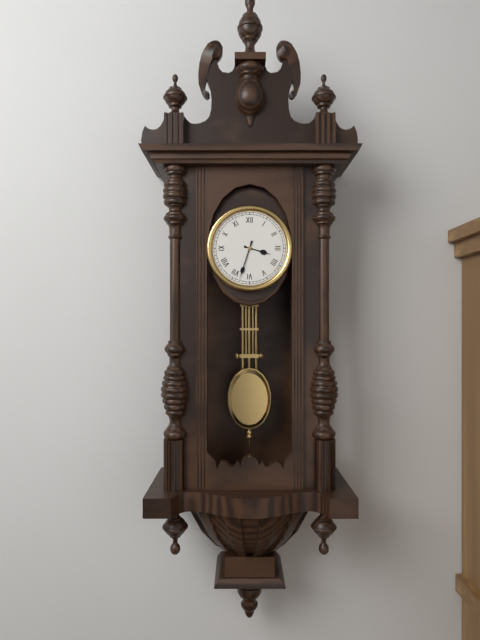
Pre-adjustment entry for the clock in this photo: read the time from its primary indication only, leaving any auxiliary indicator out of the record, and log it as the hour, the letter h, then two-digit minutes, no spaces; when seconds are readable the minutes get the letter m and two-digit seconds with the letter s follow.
3h33
